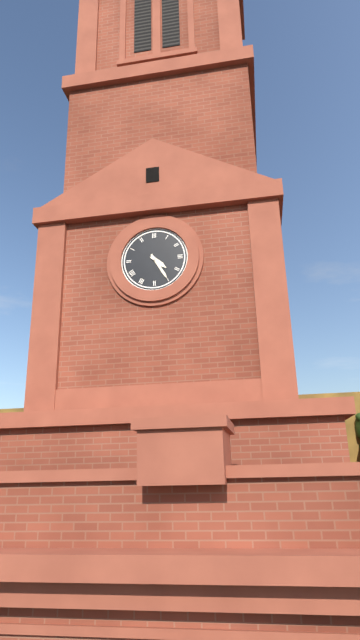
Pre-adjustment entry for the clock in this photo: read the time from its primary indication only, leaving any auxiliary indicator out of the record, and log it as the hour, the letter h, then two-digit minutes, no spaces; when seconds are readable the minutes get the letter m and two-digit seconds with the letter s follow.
4h25
